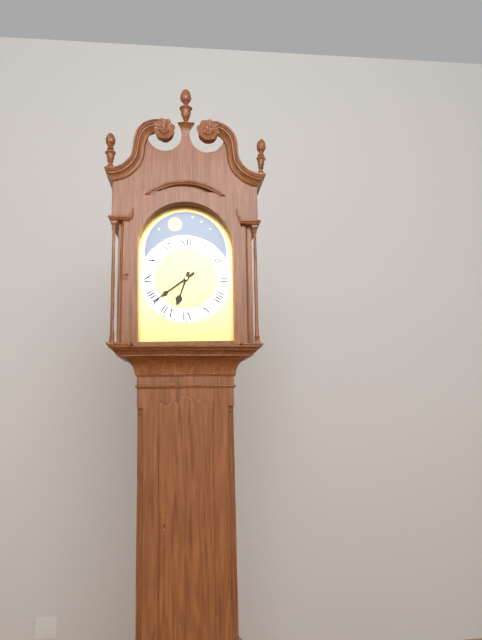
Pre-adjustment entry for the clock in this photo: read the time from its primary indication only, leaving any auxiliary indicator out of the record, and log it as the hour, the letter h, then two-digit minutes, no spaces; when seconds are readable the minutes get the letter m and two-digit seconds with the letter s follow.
6h39
